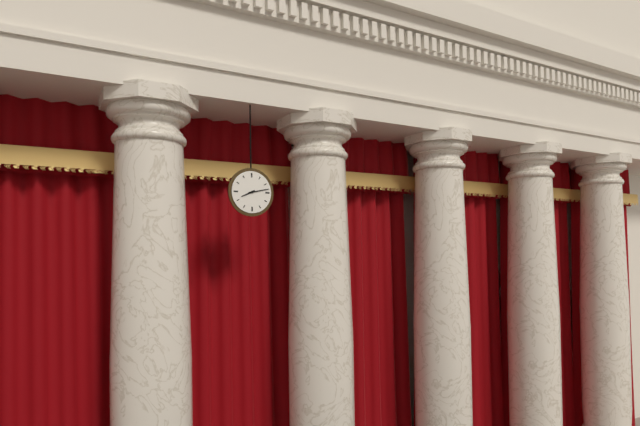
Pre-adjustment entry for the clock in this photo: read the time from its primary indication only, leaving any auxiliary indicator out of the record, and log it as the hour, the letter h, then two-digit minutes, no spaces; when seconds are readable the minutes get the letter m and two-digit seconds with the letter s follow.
8h13
